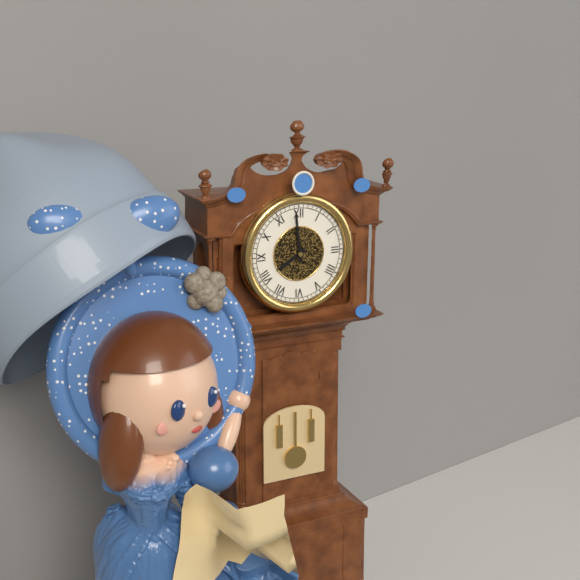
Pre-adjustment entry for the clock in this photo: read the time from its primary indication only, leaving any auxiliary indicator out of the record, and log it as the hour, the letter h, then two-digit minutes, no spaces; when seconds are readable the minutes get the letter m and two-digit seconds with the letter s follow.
7h59
